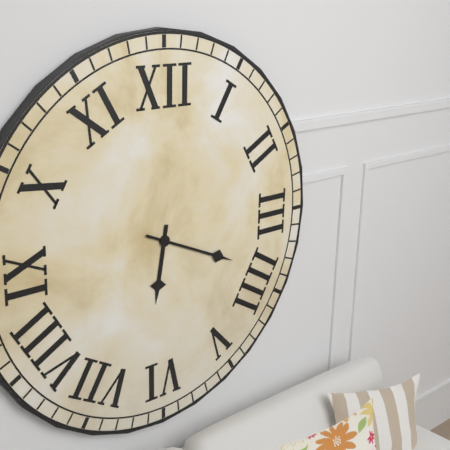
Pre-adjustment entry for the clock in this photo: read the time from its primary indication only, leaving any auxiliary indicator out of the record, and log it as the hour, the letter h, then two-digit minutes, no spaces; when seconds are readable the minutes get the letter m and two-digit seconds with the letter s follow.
6h19
